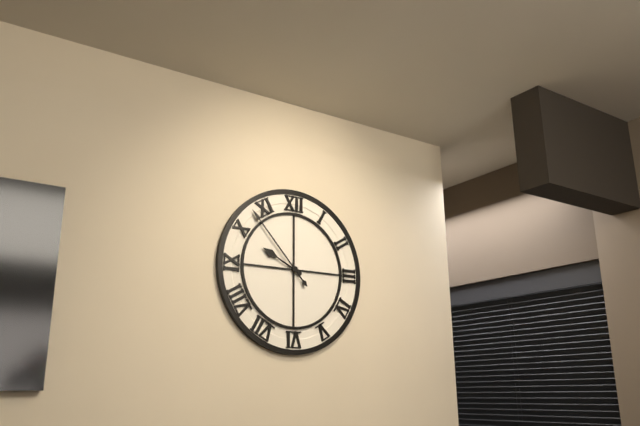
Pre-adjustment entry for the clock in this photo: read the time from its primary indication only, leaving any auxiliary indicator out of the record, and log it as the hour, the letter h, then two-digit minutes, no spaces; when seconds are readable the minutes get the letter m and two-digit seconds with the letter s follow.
9h53
